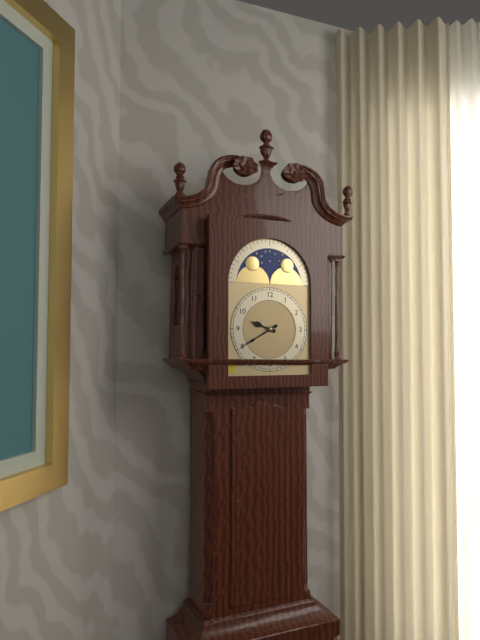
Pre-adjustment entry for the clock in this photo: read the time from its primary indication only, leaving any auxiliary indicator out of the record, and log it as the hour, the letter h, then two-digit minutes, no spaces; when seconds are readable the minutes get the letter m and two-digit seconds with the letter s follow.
9h40
